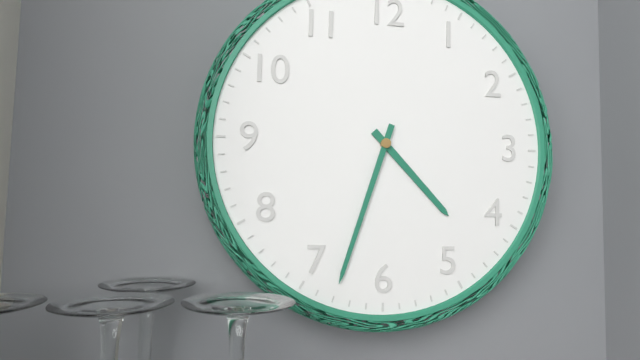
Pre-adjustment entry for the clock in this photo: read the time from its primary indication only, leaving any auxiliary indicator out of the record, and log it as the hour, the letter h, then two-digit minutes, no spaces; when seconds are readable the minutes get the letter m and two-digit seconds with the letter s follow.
4h33
